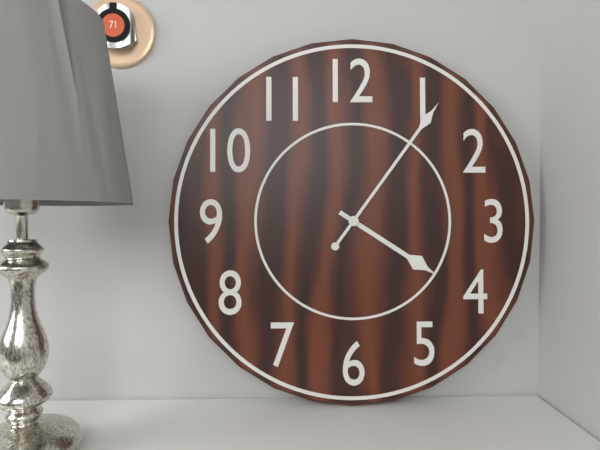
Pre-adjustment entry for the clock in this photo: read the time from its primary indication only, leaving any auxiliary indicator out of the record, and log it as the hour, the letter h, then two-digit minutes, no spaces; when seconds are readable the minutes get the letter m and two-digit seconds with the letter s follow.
4h06
